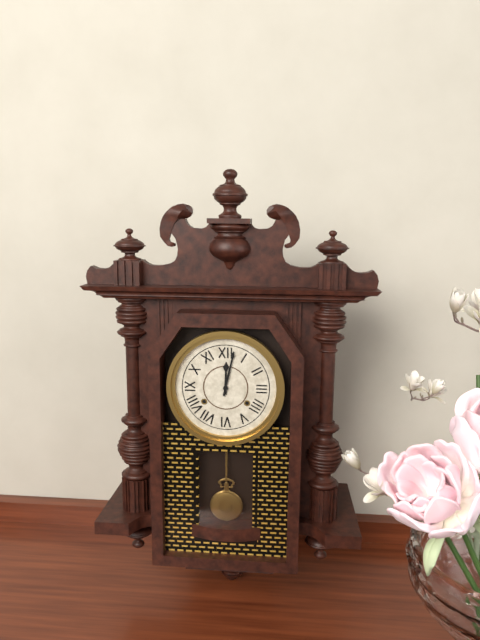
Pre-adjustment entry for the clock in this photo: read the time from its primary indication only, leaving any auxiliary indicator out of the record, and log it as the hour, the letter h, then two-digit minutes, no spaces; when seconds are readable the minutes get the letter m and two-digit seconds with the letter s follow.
12h02
